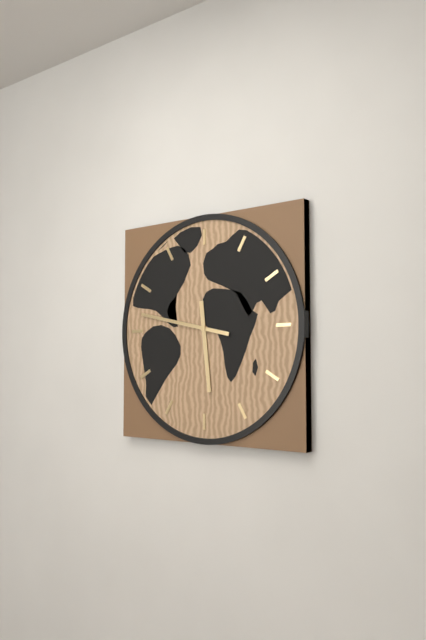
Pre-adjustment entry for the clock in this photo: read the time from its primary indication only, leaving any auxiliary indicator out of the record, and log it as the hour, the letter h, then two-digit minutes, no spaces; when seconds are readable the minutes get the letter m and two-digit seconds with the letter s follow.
5h47
